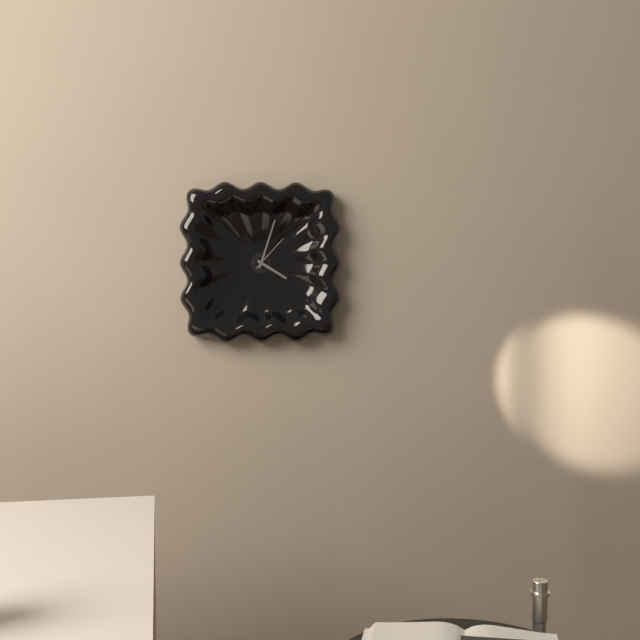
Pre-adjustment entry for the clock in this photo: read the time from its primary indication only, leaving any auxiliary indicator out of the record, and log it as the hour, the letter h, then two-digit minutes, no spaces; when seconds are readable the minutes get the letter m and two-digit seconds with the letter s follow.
4h03
